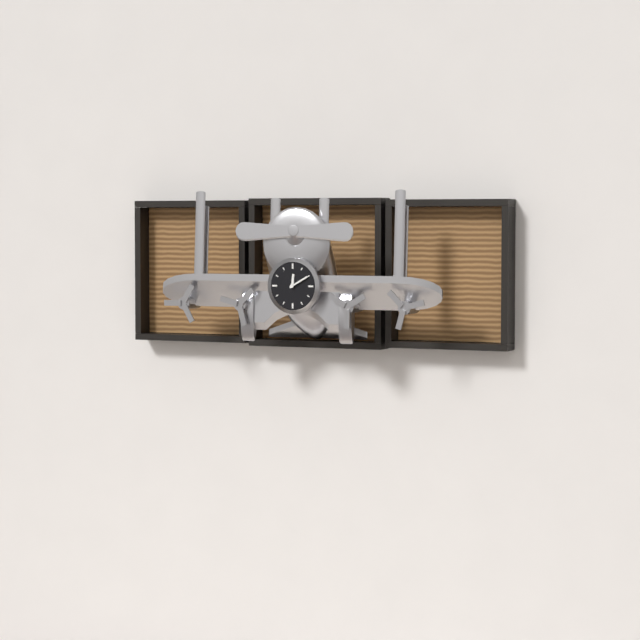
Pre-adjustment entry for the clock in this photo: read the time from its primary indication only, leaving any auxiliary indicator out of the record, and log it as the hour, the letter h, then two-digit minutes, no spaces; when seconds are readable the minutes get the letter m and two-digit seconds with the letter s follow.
12h10
